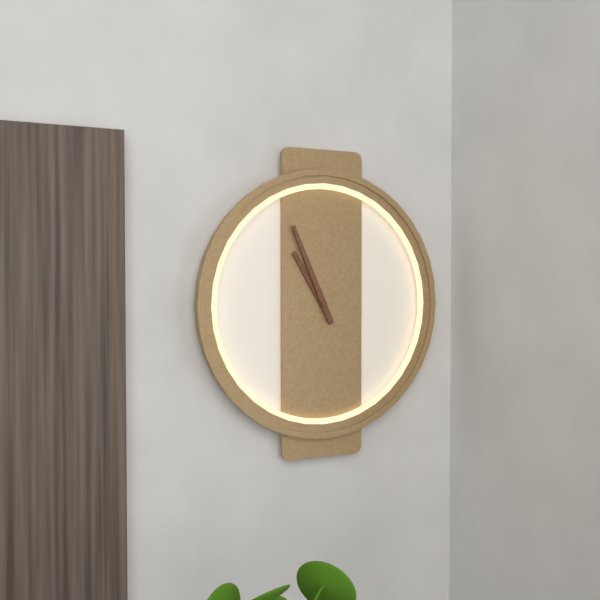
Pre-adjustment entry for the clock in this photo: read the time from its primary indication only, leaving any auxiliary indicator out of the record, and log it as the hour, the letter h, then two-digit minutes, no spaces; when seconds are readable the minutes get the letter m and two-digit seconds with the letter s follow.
10h56
